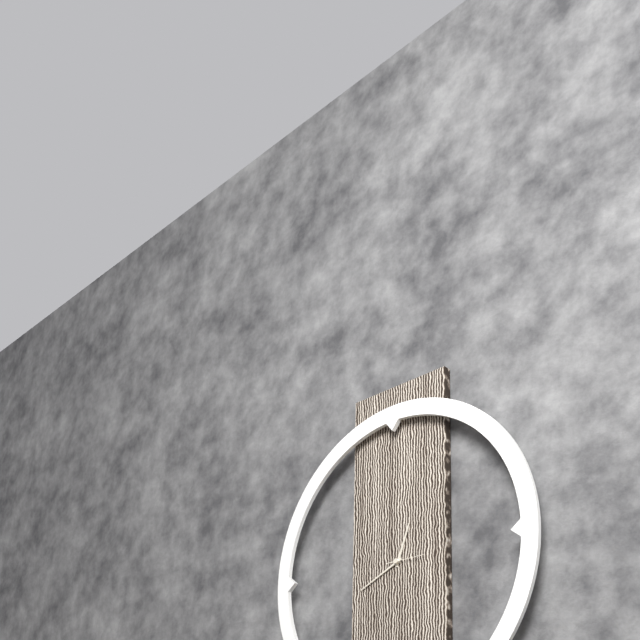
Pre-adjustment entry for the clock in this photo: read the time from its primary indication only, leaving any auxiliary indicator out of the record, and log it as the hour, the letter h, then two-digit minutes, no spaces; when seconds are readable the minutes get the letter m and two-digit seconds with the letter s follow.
12h41
